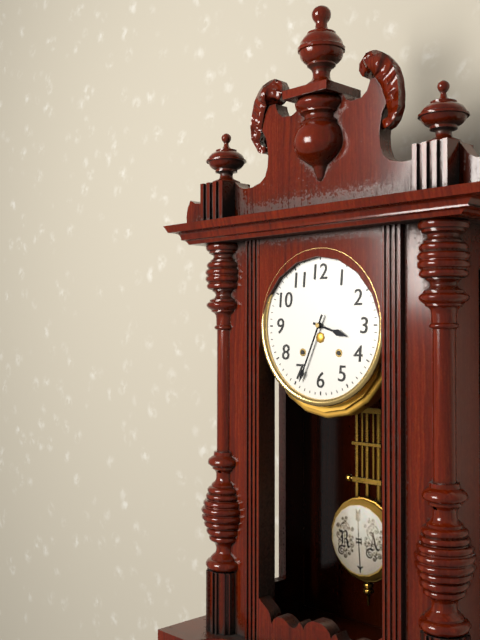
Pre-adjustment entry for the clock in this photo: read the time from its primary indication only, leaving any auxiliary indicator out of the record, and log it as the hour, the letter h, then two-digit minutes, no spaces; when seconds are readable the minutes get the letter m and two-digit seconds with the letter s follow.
3h34
